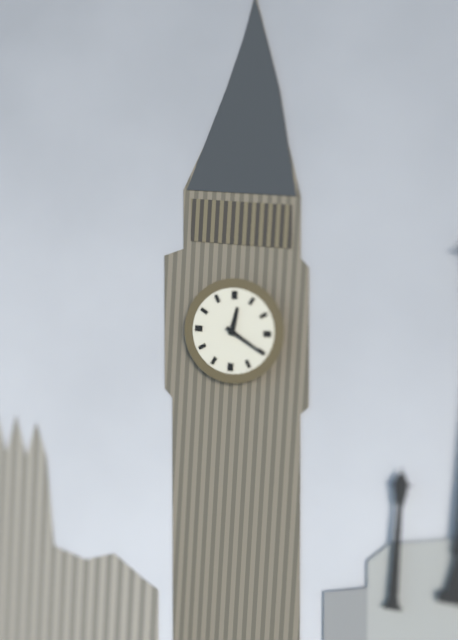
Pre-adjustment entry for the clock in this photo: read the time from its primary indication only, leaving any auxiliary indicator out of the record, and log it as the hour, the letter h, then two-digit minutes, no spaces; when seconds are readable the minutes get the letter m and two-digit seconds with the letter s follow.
12h20
